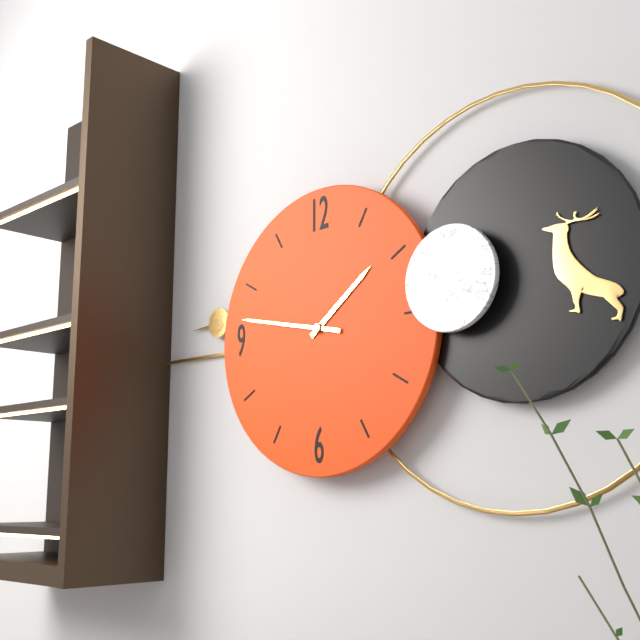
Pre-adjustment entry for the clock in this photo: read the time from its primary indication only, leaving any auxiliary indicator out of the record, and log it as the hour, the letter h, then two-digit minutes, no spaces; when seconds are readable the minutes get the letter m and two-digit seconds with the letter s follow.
1h47
